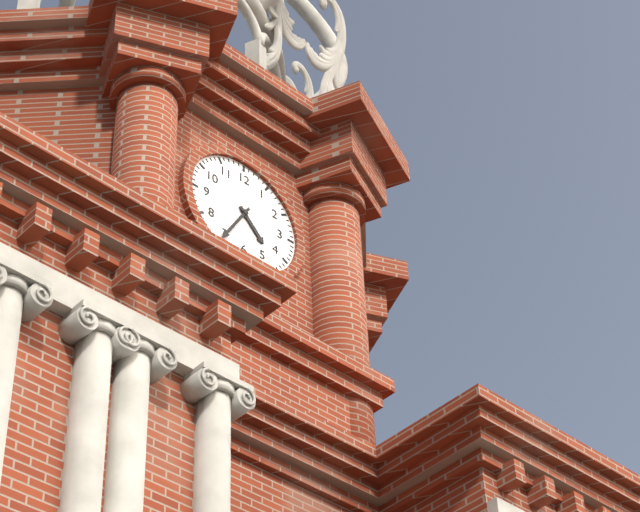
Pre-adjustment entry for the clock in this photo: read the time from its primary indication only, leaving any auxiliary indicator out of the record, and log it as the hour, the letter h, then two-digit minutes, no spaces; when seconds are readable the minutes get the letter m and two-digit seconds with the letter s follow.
4h35
